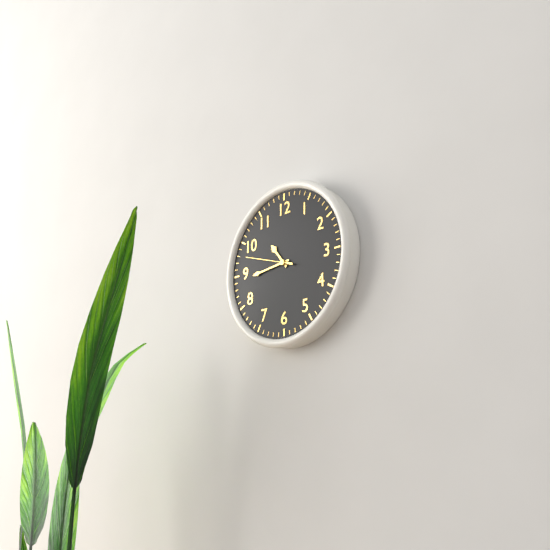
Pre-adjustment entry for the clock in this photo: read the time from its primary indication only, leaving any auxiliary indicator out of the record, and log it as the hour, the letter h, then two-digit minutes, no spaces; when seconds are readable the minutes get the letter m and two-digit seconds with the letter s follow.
10h44
